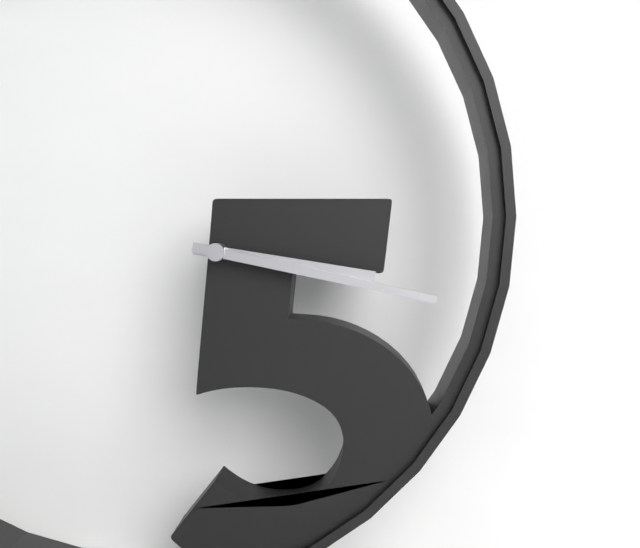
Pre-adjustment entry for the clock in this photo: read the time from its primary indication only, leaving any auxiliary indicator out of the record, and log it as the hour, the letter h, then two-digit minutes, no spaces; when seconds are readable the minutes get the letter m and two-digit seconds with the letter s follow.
3h17
